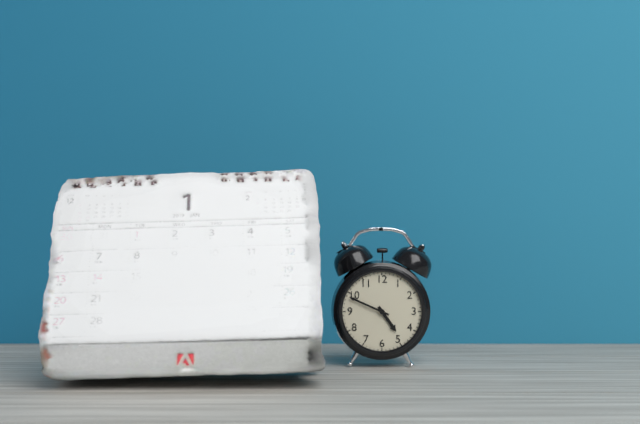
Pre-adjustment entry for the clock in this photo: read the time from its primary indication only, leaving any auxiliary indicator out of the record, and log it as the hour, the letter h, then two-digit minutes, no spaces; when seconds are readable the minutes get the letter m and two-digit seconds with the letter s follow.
4h49
